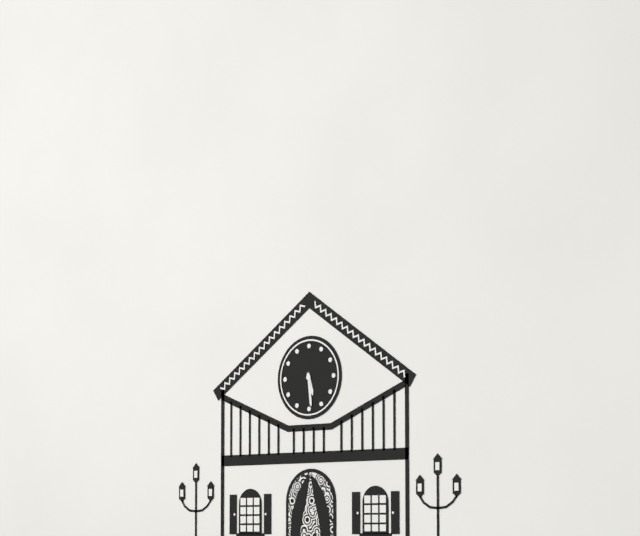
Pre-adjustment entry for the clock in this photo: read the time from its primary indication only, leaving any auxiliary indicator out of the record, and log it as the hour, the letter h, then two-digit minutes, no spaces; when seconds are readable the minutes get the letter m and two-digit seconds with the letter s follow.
5h29
